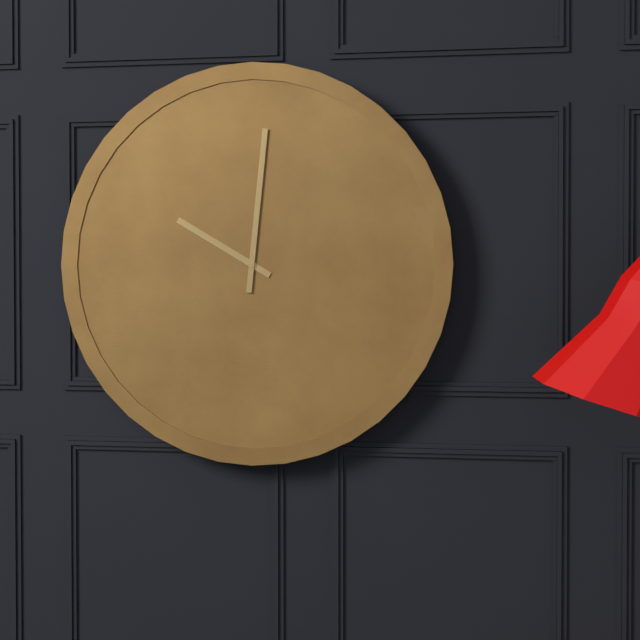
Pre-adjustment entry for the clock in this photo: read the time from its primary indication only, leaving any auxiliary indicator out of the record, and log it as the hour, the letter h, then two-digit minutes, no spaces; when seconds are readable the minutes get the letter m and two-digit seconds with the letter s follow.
10h01
